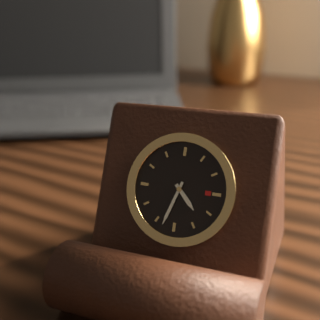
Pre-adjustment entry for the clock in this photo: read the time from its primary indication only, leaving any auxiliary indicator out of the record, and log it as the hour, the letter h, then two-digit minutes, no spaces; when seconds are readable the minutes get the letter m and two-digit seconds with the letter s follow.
4h33
